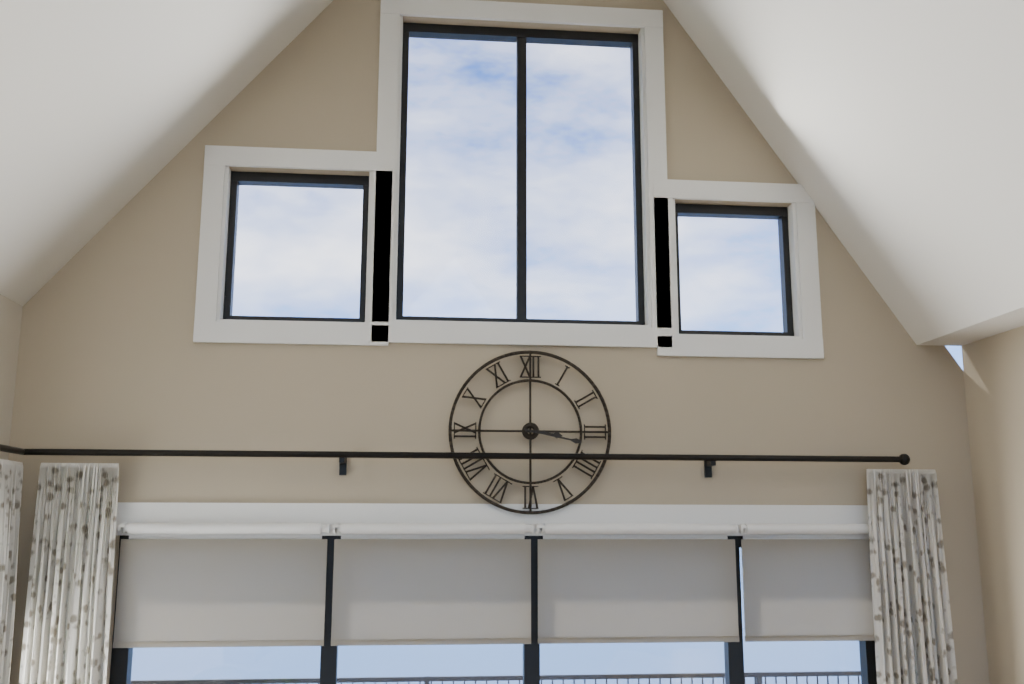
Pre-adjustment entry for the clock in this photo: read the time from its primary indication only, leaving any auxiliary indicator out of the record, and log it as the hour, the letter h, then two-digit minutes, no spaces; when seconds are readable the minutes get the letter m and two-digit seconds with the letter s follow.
3h17
